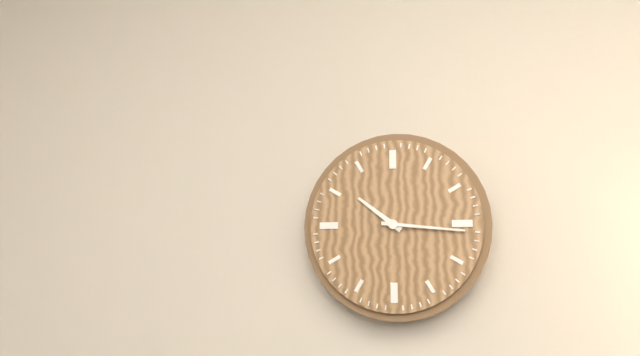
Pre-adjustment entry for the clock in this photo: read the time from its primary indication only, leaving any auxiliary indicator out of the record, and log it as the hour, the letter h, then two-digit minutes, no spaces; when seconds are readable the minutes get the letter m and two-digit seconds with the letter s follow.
10h16
